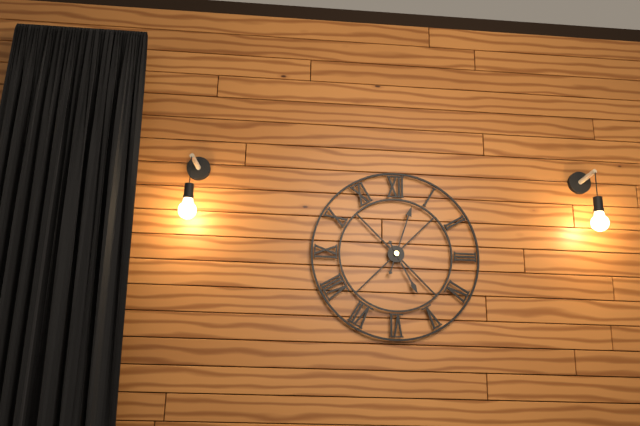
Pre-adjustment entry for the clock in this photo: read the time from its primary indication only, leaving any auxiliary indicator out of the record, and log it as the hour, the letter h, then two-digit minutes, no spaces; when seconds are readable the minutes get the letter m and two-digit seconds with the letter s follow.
5h03
